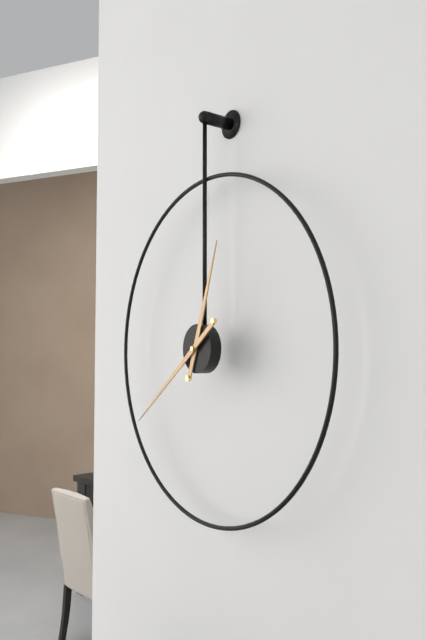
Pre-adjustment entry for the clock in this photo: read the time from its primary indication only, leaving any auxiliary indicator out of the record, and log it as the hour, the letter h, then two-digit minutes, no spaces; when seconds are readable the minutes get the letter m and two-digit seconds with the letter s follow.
12h39
